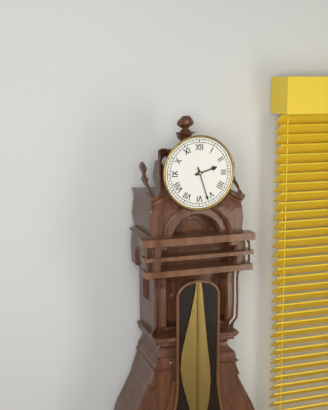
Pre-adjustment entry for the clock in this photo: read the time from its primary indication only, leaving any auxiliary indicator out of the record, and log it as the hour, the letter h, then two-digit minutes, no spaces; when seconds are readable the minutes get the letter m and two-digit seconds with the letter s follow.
2h27
